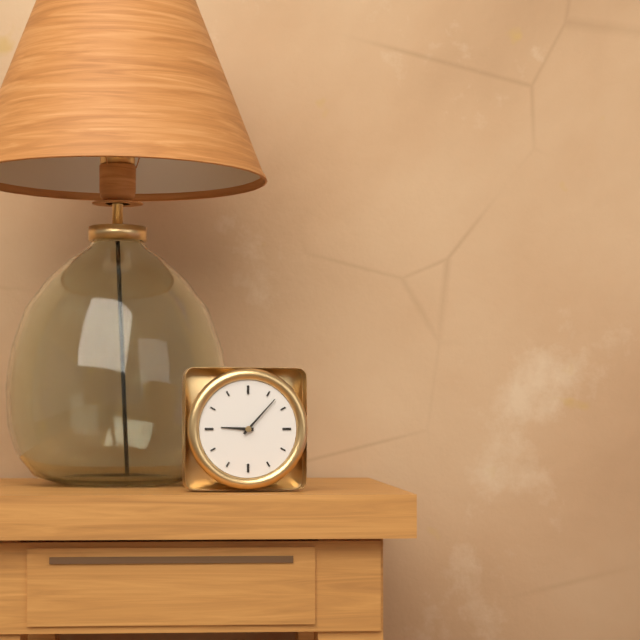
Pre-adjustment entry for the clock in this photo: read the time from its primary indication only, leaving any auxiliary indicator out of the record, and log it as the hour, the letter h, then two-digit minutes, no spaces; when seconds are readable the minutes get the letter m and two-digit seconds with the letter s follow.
9h07
